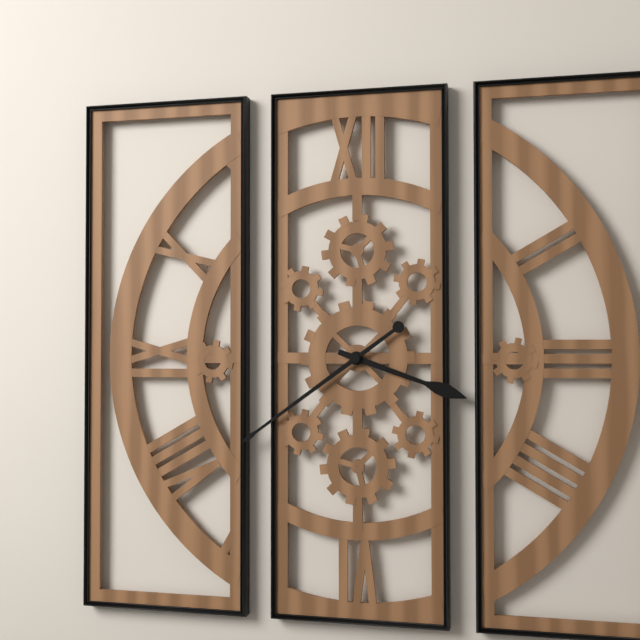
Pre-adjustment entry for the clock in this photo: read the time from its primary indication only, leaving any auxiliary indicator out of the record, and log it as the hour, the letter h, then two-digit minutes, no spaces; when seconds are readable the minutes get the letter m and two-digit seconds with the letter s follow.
3h39
